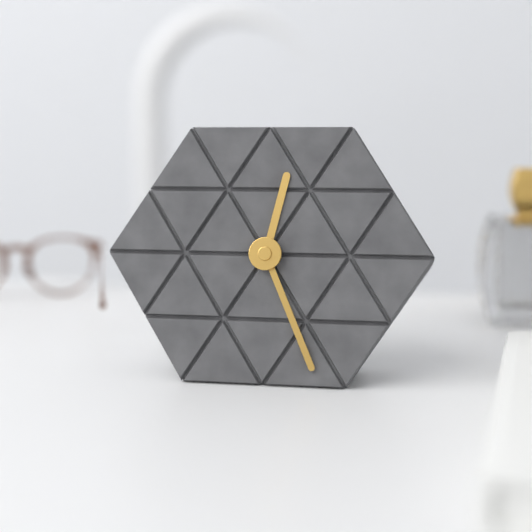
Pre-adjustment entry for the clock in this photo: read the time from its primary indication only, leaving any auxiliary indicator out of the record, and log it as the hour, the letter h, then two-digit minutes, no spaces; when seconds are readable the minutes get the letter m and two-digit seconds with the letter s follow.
12h26
